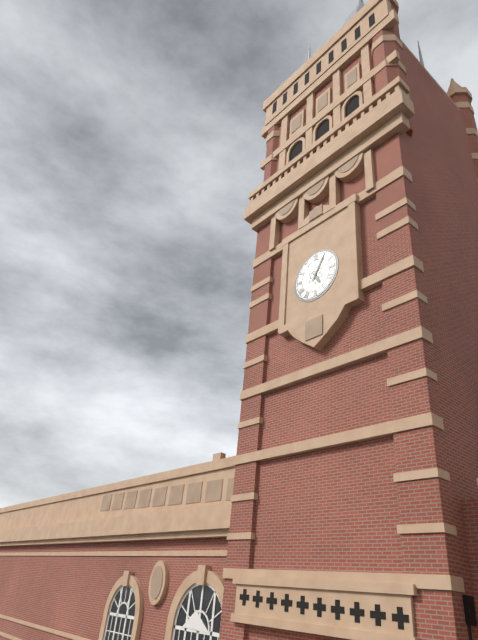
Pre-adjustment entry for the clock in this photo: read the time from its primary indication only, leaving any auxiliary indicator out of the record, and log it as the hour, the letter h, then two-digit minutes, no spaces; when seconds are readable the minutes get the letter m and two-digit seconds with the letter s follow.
5h05
